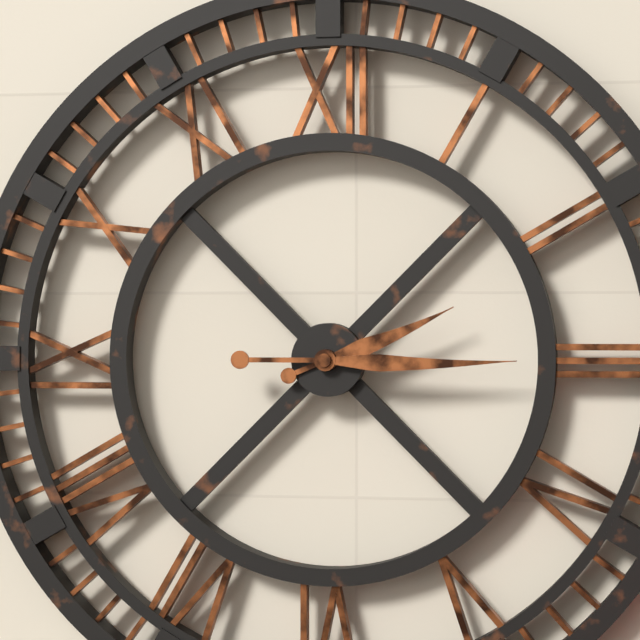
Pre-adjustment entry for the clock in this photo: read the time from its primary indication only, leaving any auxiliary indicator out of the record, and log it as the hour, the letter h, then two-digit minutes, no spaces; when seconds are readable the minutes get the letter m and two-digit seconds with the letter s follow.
2h15
